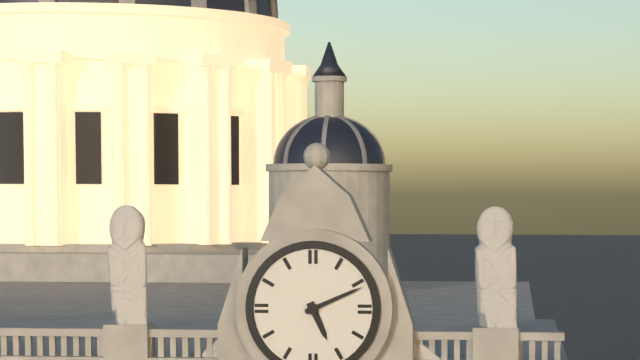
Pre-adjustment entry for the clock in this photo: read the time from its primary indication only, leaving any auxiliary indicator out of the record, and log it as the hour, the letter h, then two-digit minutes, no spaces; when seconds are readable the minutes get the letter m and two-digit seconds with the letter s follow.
5h11
